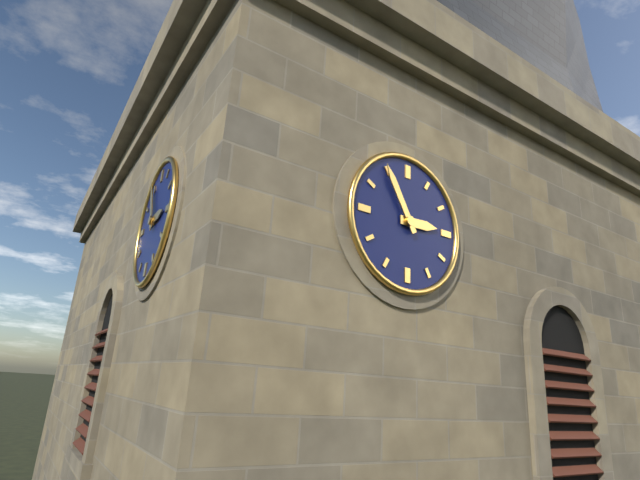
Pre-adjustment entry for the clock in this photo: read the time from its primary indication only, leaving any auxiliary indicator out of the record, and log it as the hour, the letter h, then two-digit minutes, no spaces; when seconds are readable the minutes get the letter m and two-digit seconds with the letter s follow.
2h55
